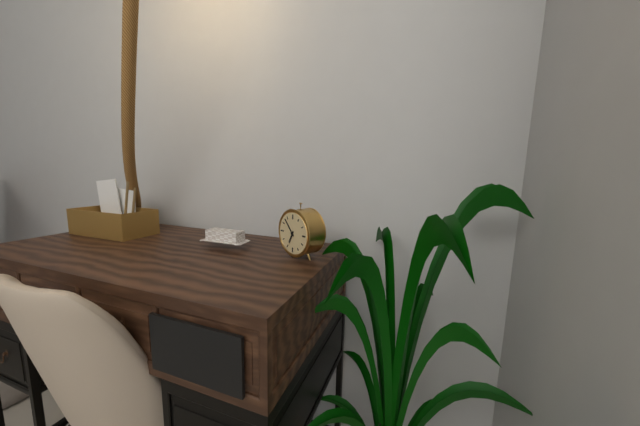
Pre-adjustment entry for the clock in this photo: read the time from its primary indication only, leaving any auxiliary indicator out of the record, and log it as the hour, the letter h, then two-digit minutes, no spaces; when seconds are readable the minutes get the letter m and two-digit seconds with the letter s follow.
6h53
